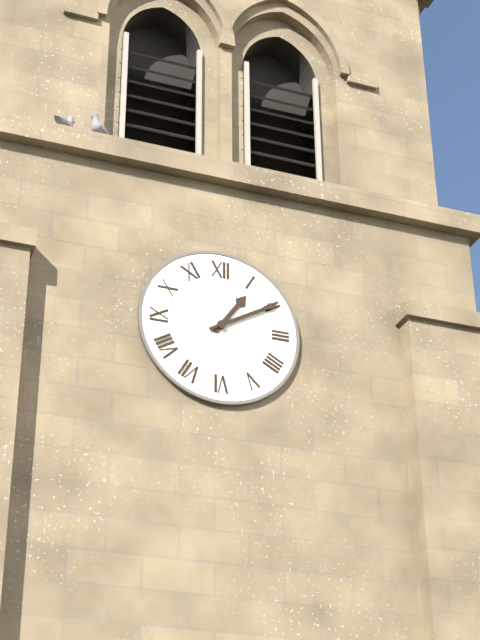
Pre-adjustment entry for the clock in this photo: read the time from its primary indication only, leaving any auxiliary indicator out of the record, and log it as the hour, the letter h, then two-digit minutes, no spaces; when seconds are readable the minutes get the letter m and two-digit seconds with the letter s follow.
1h10
